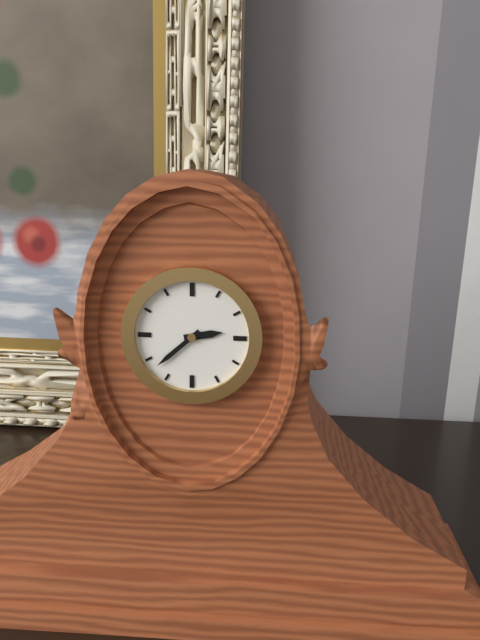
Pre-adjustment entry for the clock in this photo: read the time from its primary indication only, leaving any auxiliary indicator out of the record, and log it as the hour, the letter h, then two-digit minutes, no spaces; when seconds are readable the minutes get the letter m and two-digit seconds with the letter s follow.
2h38
